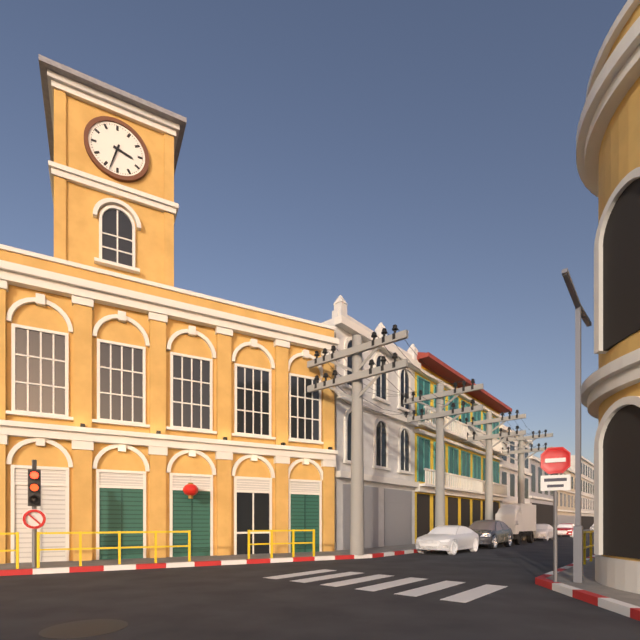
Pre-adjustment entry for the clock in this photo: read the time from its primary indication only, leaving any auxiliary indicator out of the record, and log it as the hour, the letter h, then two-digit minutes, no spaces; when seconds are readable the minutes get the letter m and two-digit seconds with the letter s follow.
3h33
